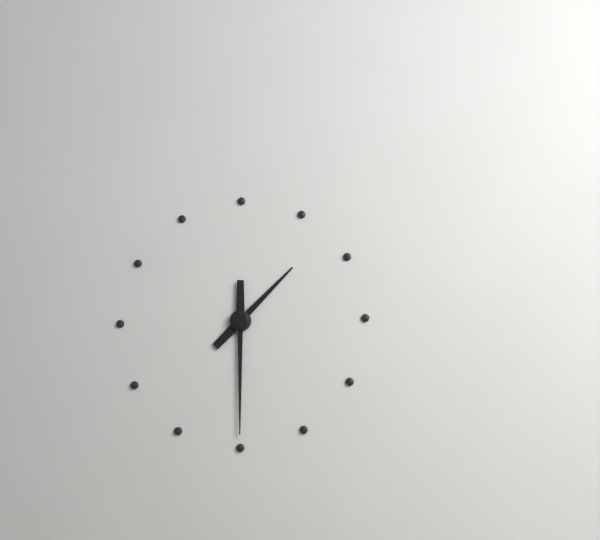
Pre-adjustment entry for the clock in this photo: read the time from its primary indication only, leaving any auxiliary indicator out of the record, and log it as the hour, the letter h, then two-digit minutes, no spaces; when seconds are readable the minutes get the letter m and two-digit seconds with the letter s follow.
1h30
